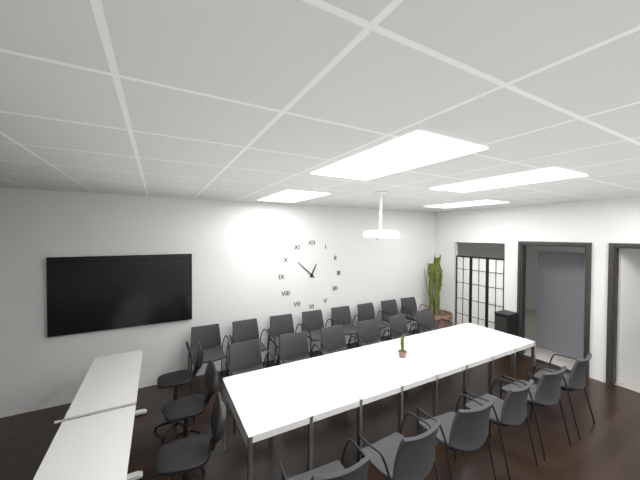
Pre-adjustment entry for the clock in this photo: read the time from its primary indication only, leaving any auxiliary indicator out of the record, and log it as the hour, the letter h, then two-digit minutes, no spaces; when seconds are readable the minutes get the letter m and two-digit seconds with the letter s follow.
12h52
